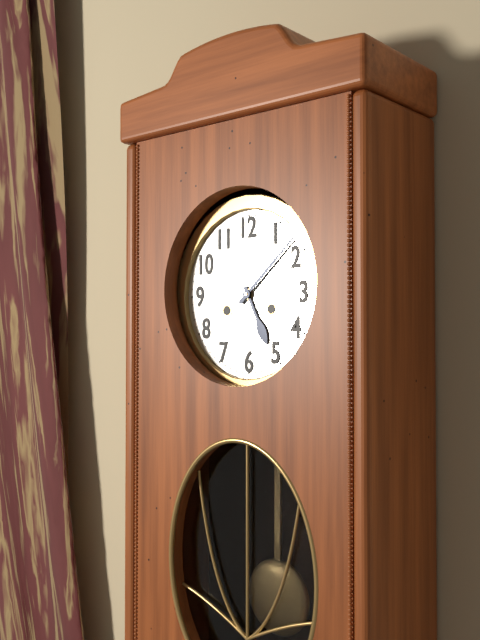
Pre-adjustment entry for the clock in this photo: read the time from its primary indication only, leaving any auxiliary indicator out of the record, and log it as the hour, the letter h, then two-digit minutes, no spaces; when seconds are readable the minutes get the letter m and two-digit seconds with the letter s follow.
5h08
